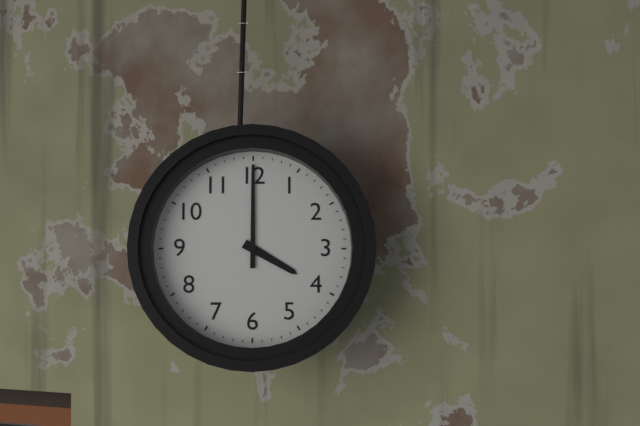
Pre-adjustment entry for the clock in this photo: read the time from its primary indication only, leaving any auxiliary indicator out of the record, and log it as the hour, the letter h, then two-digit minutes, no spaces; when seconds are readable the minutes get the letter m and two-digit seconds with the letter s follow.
4h00
